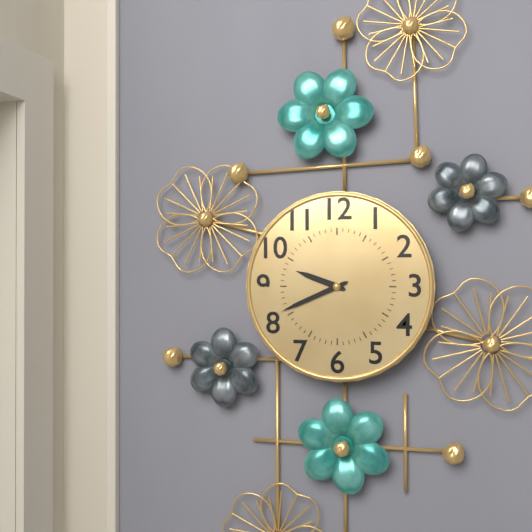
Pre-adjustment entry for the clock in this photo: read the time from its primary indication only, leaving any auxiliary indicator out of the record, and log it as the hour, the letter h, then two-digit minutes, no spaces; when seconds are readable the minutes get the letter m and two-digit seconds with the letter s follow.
9h41
